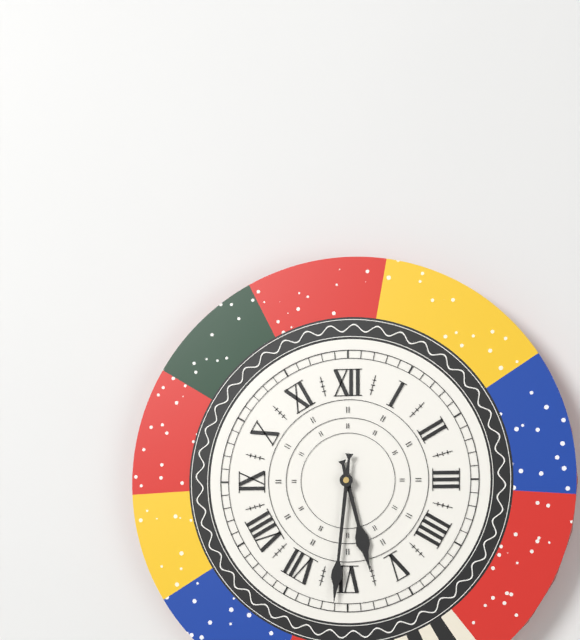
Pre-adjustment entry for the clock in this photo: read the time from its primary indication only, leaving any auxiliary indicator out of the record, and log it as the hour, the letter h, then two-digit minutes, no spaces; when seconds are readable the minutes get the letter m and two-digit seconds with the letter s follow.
5h31
